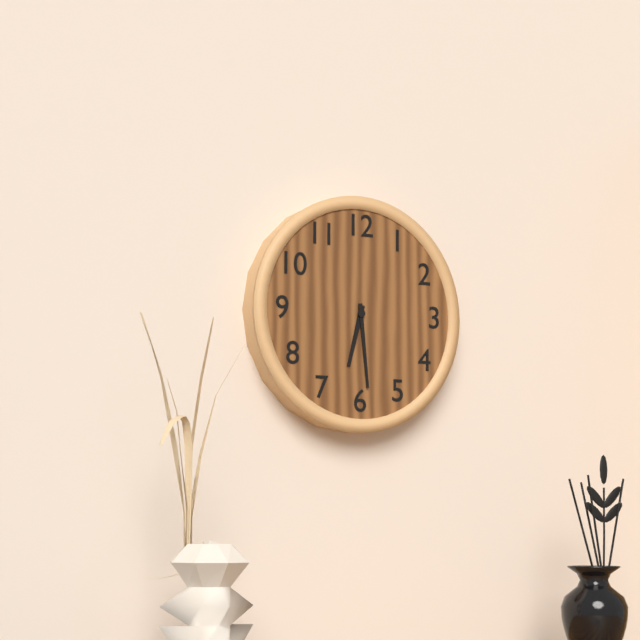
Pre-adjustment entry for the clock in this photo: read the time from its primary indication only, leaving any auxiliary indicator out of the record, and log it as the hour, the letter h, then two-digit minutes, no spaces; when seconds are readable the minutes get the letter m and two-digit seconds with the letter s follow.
6h29
